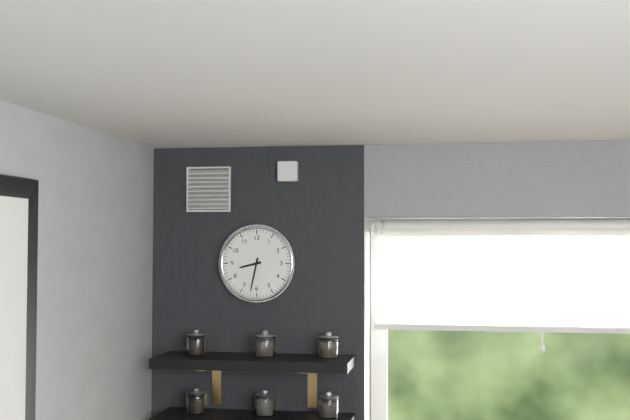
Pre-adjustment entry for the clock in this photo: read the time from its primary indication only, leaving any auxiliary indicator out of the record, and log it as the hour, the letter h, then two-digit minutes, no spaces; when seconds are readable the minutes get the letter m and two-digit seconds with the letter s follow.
8h32
